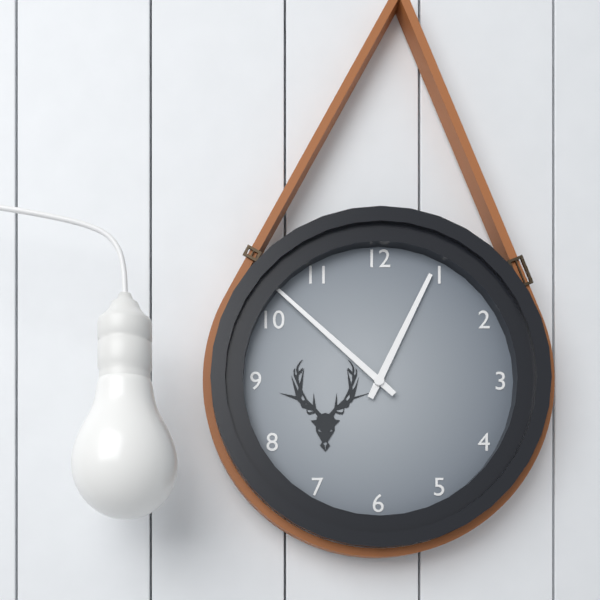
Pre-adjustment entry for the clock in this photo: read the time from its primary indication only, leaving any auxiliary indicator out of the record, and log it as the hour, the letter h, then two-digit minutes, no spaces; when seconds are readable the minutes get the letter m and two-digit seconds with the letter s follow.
12h52
